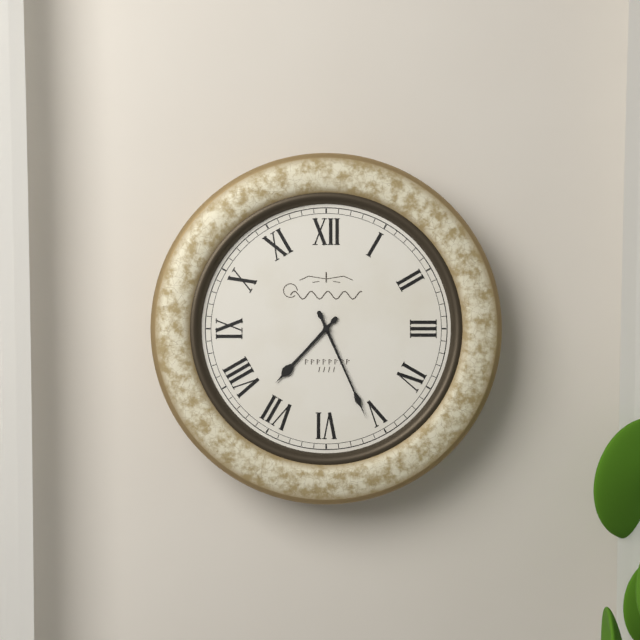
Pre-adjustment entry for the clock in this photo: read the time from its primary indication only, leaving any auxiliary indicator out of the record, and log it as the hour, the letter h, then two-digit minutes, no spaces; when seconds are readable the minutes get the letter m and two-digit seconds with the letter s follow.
7h26
